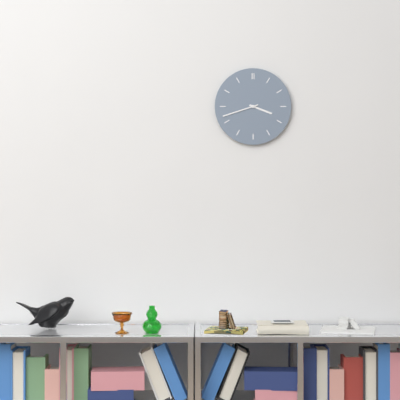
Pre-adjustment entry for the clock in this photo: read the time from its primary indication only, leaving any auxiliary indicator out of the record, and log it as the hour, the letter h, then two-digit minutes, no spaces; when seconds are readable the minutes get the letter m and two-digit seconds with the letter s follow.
3h42
